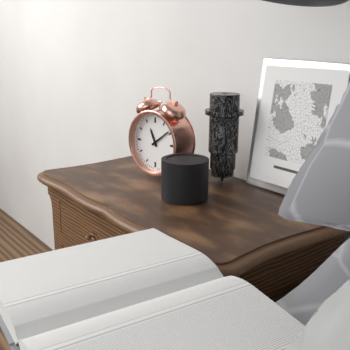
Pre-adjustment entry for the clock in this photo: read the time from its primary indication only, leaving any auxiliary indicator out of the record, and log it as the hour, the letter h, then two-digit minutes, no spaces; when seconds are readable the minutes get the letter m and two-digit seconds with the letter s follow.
11h09
